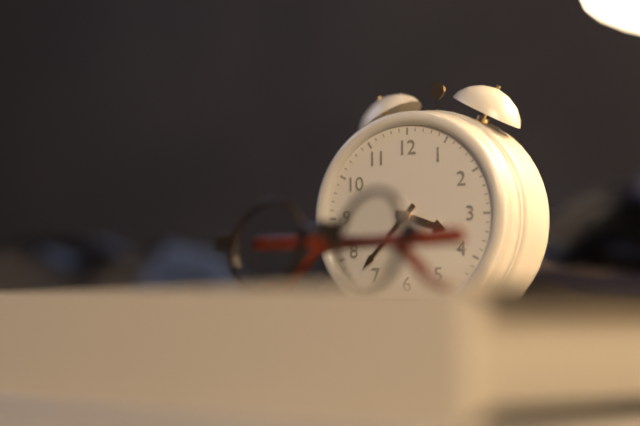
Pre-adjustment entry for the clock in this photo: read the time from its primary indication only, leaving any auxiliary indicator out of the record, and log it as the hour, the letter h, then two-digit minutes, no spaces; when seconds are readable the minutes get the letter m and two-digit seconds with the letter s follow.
3h37
